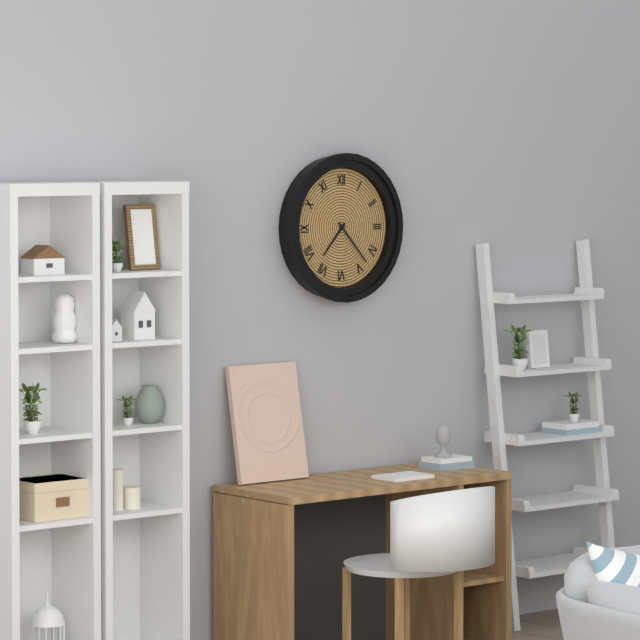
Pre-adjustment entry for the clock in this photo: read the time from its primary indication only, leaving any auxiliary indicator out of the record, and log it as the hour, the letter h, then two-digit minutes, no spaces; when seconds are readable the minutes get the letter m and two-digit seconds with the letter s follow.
7h23
